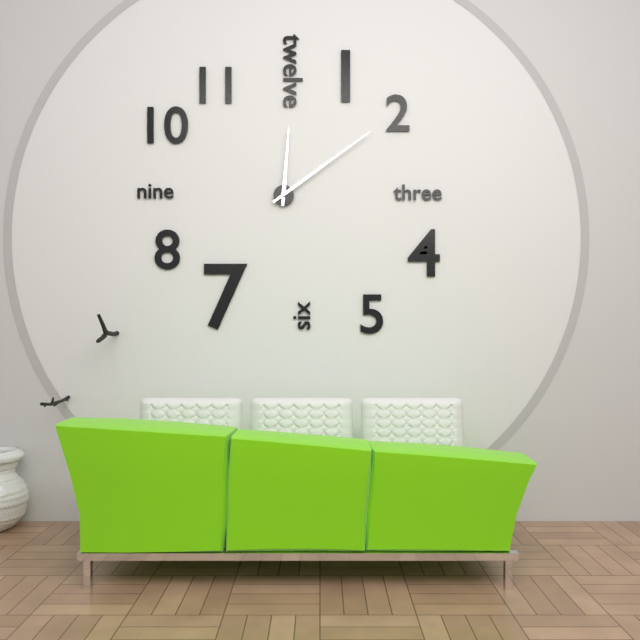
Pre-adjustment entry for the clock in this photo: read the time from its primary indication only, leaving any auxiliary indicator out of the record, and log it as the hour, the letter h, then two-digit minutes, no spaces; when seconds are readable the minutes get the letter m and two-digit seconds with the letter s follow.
12h09
